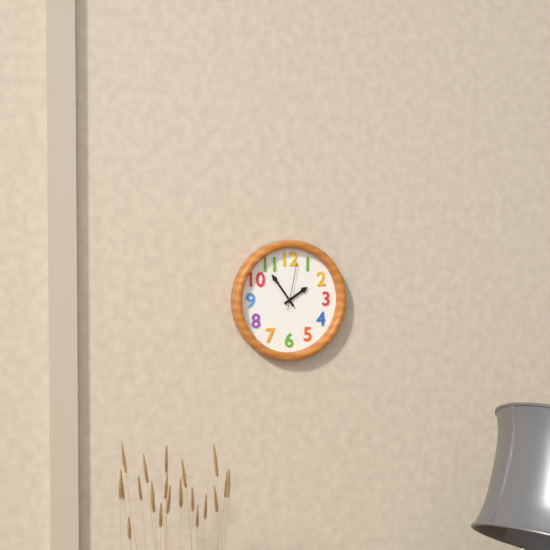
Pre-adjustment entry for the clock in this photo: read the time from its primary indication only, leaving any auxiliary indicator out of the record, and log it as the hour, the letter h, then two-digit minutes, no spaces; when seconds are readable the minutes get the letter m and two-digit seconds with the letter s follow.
1h54
